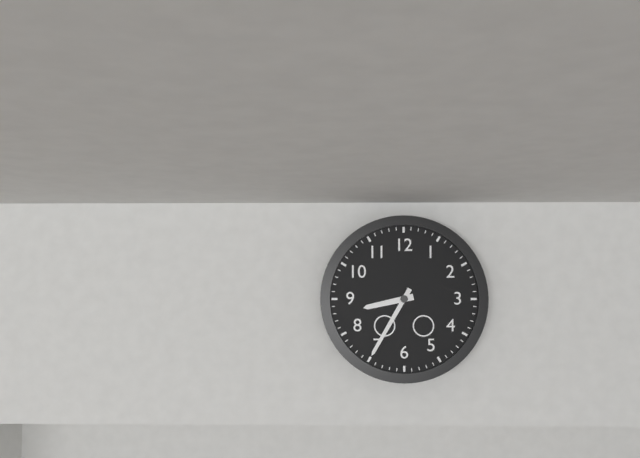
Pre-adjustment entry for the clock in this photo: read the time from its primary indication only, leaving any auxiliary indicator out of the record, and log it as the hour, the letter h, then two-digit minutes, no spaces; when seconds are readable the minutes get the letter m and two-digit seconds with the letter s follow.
8h35
